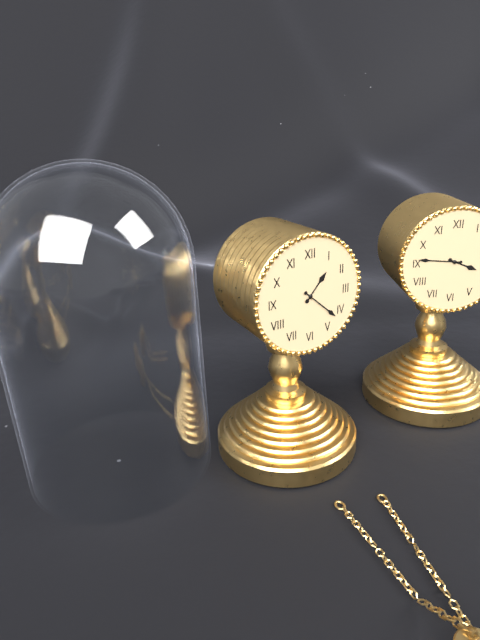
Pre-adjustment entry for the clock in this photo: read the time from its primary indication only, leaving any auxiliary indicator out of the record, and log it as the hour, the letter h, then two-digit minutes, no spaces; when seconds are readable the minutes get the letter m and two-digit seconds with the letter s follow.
1h22
